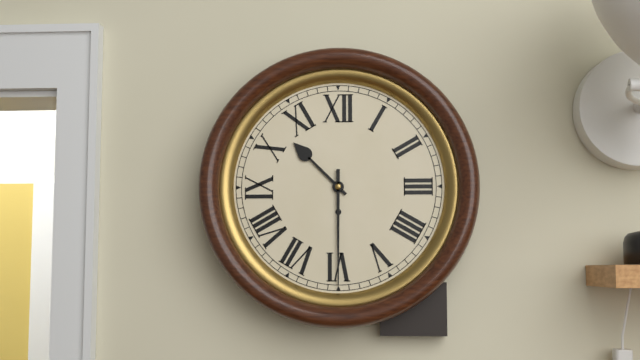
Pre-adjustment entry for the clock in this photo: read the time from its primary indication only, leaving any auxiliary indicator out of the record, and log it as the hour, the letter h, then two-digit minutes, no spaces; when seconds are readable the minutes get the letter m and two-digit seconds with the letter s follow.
10h30
